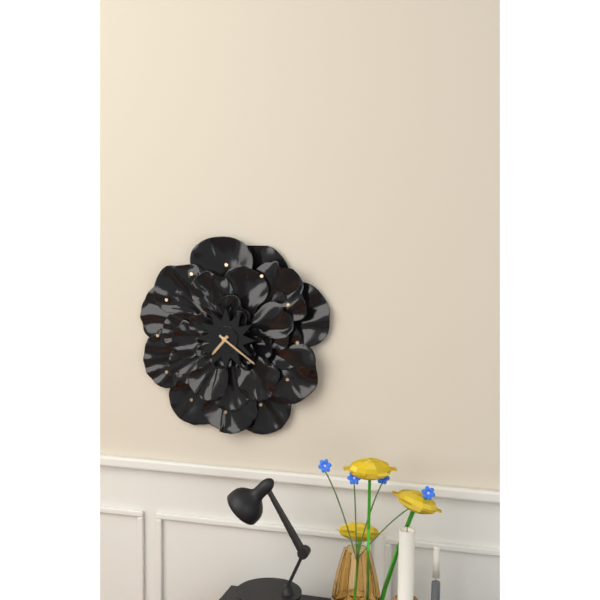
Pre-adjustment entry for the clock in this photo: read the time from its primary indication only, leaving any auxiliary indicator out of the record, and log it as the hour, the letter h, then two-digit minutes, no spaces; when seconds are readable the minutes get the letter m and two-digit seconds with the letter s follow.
7h21
